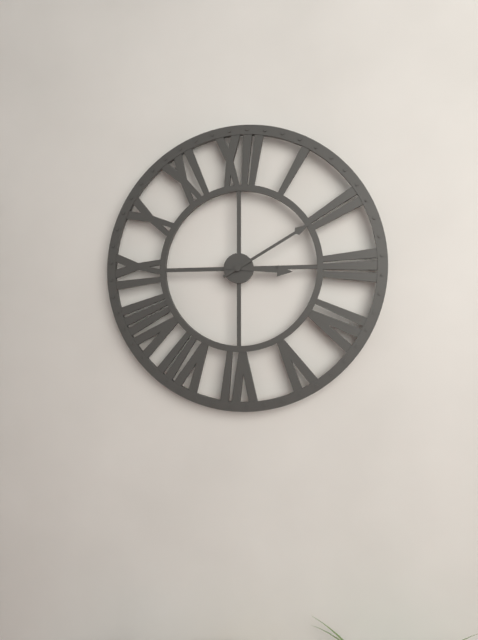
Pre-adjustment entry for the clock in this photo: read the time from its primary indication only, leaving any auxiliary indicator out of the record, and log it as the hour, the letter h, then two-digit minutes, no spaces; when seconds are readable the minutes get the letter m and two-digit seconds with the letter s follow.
3h10
